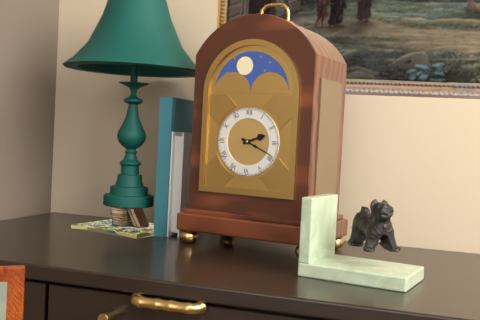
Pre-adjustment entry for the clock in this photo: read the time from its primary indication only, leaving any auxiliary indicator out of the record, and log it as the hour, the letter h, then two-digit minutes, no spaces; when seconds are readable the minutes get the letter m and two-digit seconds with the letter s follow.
2h19
